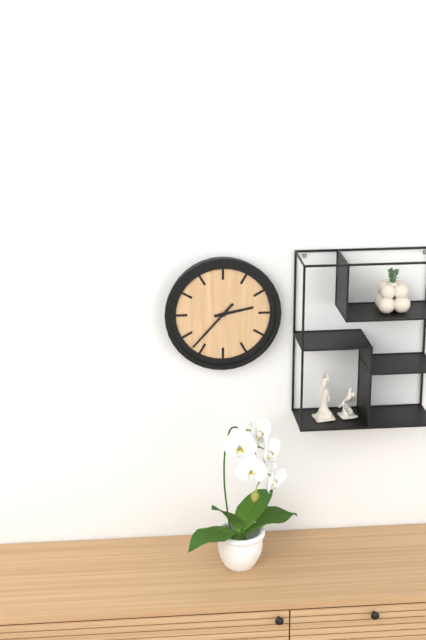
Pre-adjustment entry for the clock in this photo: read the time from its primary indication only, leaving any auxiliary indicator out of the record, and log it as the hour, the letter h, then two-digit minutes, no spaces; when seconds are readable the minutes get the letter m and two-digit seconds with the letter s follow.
2h37
